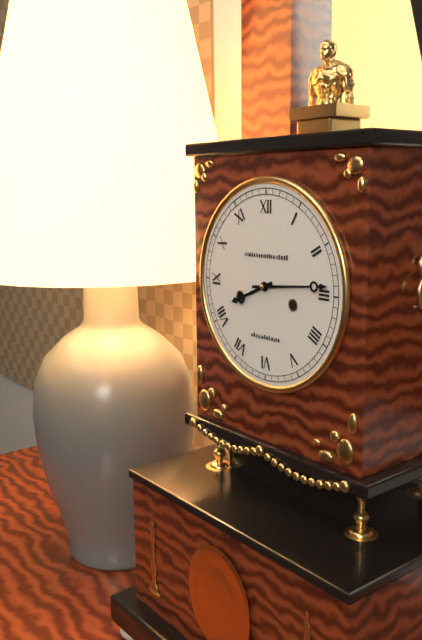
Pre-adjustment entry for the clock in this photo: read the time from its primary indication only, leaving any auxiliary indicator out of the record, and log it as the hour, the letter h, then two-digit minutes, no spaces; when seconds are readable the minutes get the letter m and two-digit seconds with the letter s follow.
8h14
